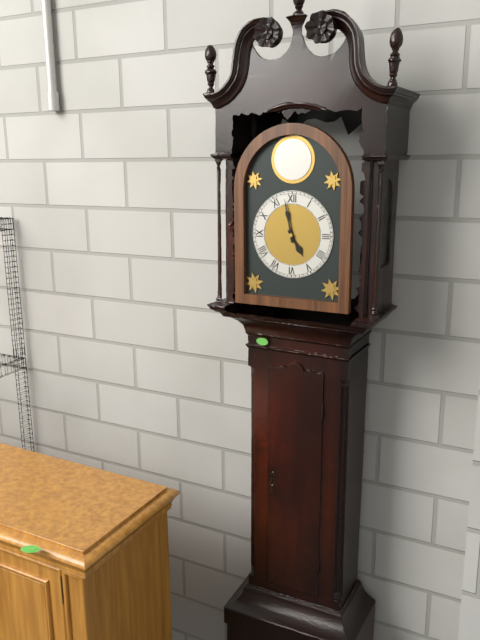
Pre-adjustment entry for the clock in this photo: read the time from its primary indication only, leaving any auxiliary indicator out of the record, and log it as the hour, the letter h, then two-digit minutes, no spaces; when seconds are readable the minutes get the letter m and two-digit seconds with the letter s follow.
4h58
